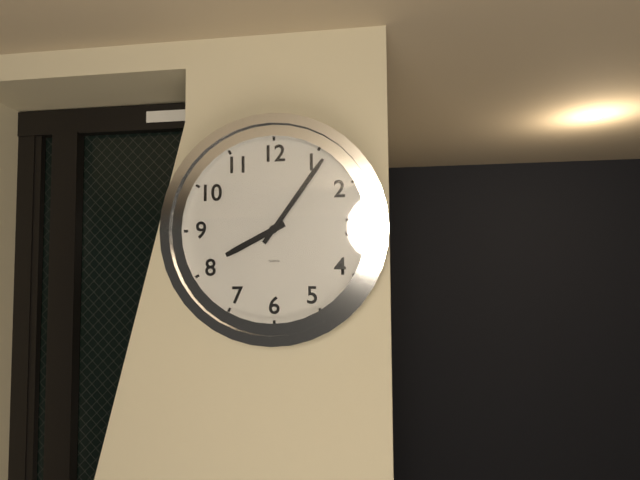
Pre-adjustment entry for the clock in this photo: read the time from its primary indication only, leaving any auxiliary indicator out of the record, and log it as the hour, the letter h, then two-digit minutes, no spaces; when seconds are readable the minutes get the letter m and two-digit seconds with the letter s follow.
8h06
